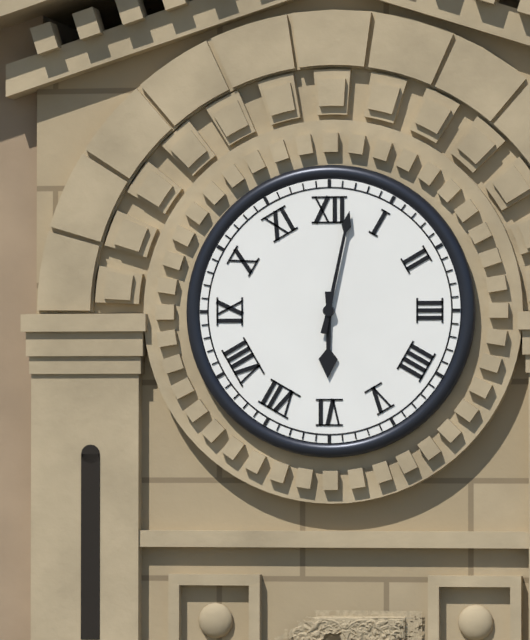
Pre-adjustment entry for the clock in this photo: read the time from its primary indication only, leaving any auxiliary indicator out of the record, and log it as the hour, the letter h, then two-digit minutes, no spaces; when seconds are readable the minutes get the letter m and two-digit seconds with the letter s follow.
6h02
